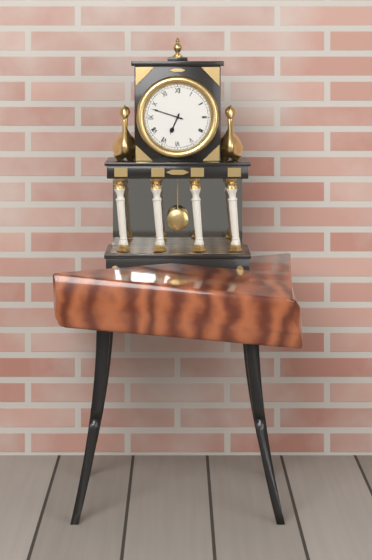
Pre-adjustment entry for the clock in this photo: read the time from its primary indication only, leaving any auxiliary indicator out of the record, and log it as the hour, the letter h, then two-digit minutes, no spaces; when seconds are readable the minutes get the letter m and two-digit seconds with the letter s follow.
6h48
